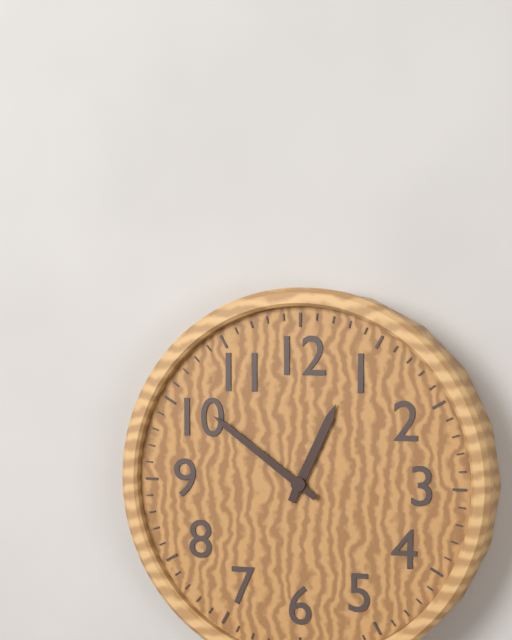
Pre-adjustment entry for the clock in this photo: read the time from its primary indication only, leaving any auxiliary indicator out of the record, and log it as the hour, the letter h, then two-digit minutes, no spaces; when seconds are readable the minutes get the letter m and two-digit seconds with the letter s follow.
12h51
